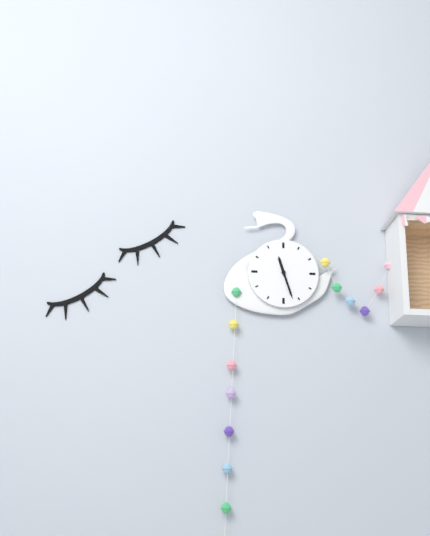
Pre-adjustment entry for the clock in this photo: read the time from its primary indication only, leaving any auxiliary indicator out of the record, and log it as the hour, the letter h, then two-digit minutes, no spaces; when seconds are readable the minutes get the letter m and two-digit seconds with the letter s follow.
11h27
